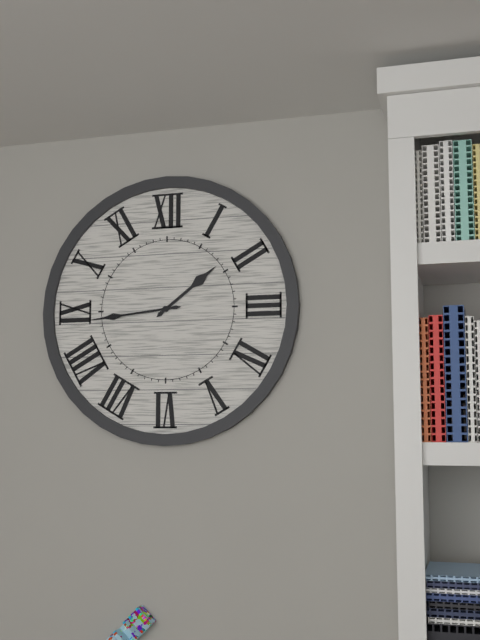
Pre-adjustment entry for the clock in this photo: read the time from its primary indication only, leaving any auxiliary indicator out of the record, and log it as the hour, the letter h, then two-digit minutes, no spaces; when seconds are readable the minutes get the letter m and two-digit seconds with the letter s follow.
1h44
